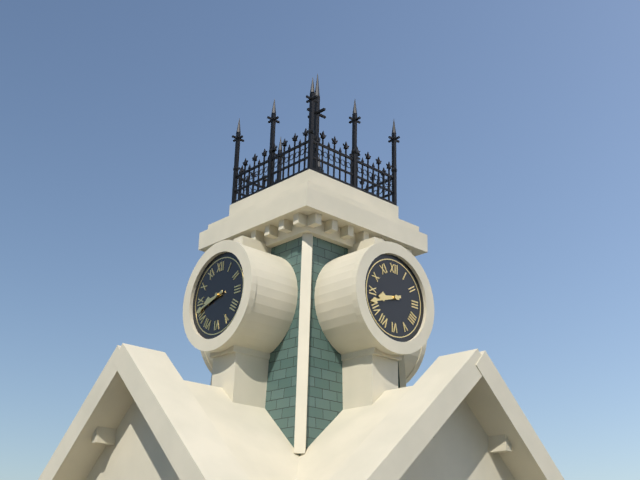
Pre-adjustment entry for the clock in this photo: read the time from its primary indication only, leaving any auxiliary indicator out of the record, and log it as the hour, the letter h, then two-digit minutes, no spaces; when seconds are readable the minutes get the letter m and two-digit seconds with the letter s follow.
8h42
